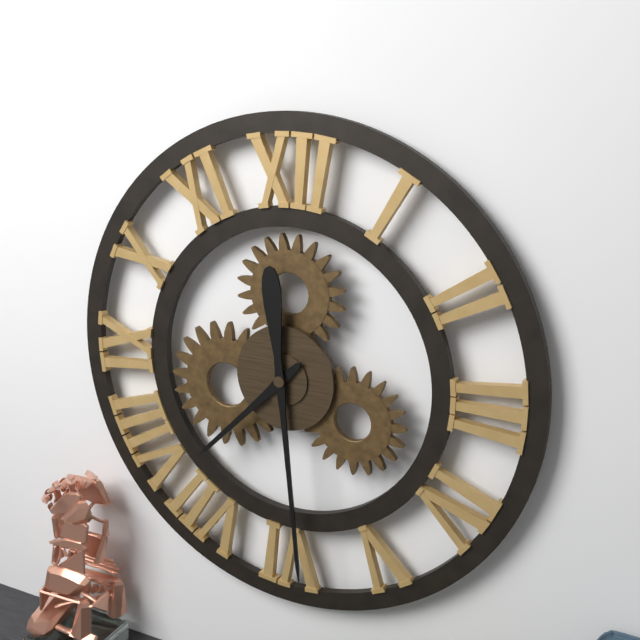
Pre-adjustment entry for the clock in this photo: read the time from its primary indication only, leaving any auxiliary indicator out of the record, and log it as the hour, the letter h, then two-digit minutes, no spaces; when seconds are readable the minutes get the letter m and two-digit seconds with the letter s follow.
7h29
